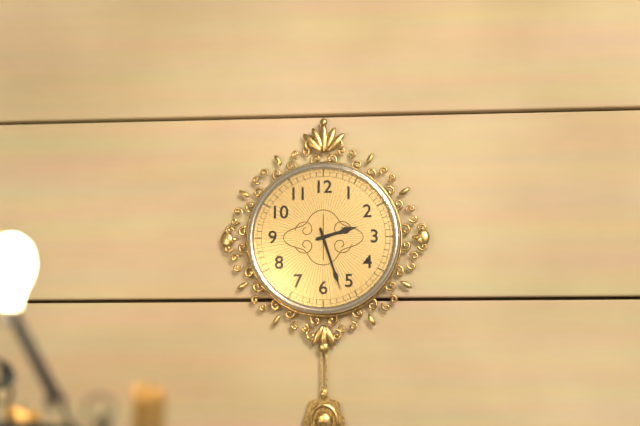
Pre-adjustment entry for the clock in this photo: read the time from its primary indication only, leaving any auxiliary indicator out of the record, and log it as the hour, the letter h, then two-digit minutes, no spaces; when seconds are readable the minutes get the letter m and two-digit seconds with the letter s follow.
2h27
